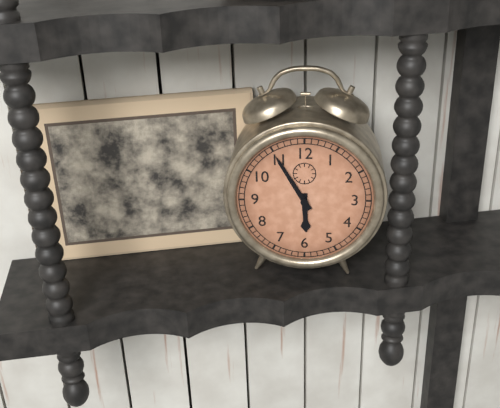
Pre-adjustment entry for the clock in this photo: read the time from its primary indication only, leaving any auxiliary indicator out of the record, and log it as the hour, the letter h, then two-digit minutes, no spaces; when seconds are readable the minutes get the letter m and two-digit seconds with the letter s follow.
5h55
